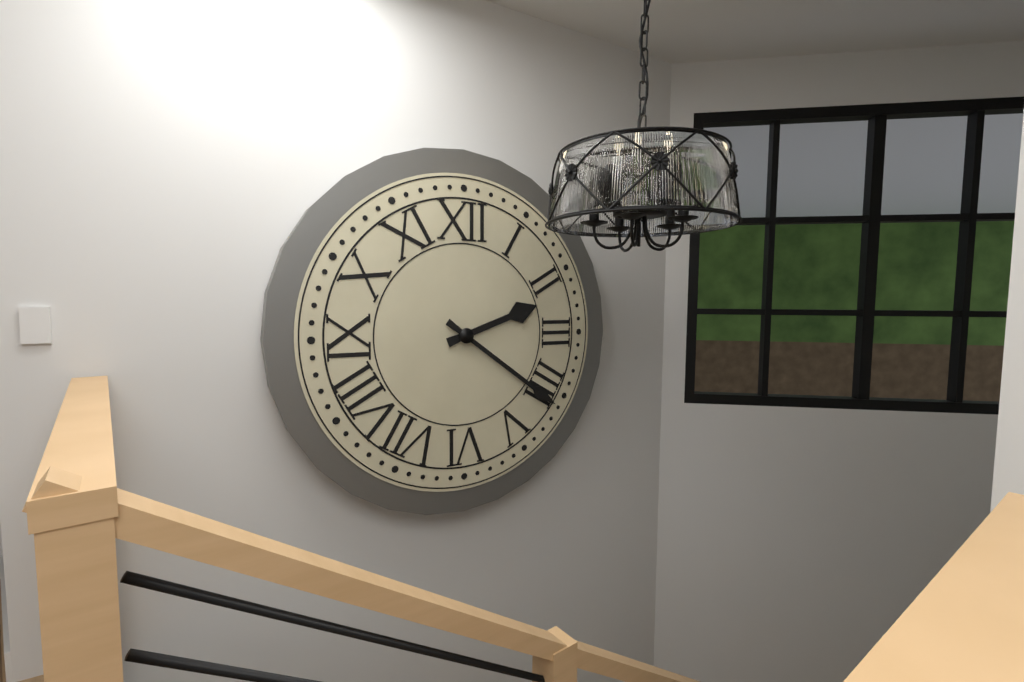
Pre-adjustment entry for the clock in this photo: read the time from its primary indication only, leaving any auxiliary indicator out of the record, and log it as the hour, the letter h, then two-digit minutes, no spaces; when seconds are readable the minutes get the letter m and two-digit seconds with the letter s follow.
2h21
